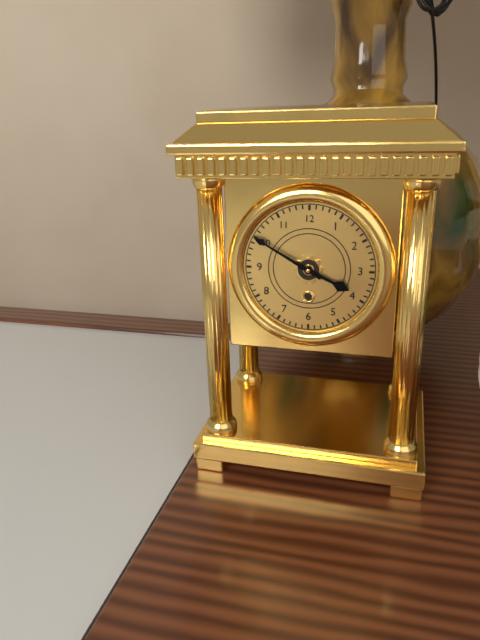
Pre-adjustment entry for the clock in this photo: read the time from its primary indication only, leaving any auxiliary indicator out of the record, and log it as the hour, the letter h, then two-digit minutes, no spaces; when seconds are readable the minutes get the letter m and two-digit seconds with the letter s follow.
3h50
